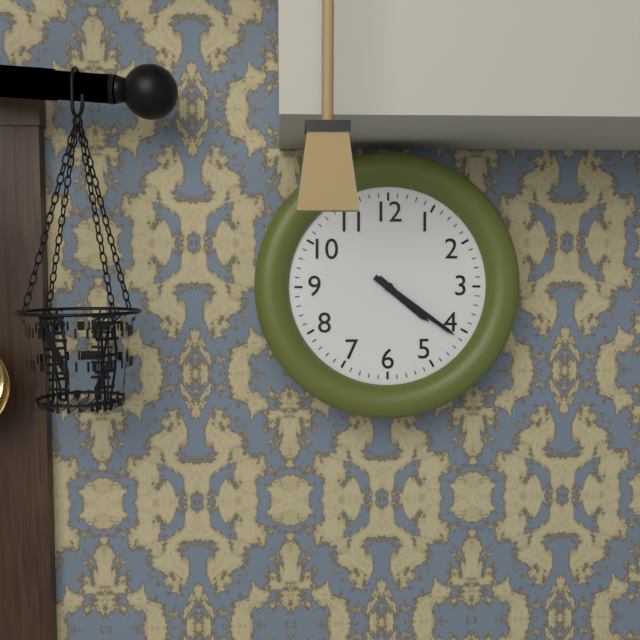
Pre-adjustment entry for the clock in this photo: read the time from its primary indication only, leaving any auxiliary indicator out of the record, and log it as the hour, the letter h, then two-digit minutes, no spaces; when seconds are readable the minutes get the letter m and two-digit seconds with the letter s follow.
4h21
